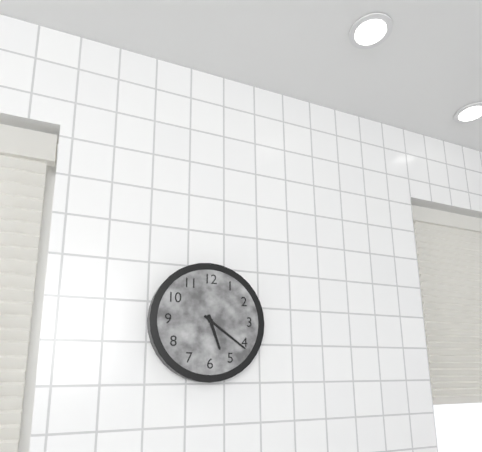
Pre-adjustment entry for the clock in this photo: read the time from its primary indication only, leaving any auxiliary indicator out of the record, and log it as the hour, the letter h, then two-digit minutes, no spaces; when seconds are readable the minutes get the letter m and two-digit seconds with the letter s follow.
5h21
